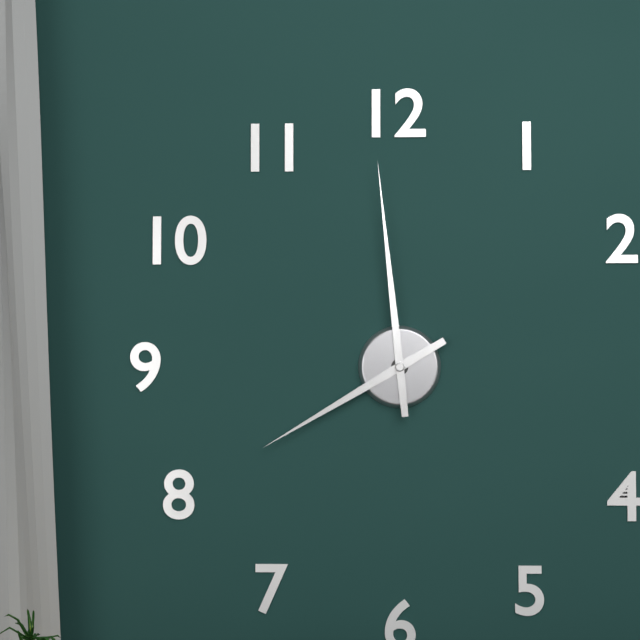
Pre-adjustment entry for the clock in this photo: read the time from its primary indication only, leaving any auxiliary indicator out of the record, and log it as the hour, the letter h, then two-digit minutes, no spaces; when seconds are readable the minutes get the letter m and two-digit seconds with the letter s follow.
7h59
